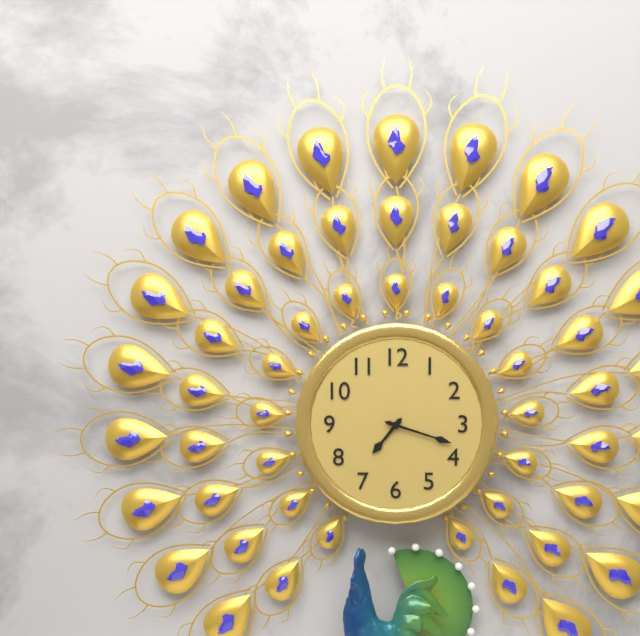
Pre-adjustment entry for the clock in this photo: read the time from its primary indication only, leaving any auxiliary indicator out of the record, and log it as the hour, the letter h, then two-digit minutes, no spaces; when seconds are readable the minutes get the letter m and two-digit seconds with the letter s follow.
7h18
